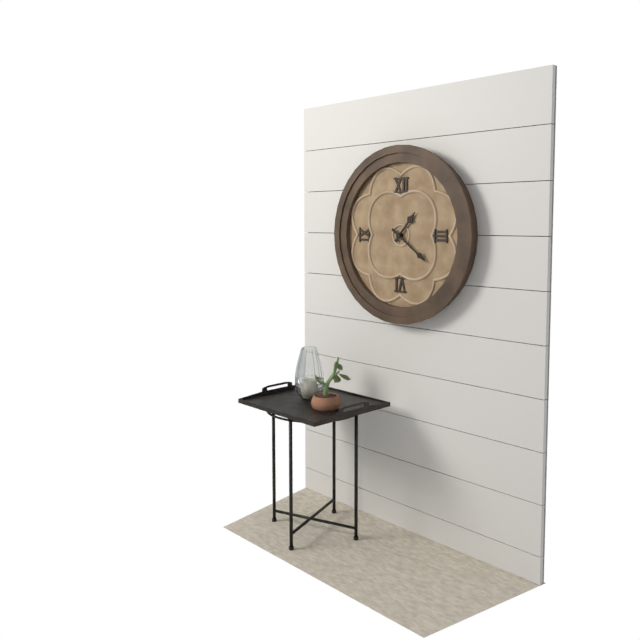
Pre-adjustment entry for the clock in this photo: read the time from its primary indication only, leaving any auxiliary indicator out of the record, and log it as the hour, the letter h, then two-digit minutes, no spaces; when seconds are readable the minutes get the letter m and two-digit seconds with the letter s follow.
1h21
